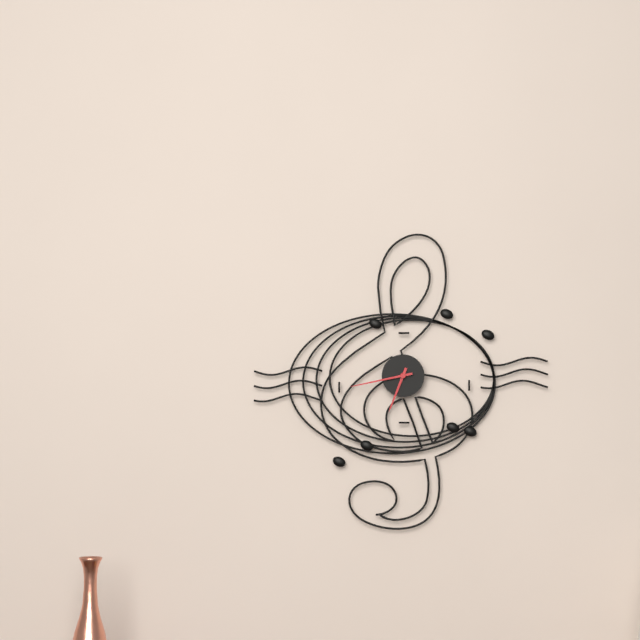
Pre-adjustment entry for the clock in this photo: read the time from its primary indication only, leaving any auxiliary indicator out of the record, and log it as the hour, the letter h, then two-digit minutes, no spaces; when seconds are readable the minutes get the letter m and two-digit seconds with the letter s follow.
6h43
